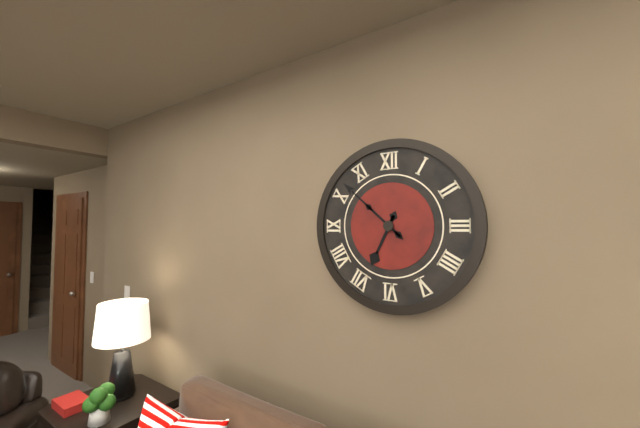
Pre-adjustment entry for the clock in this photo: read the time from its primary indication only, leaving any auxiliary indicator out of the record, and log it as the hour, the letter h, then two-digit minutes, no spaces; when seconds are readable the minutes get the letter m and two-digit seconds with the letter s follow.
6h52
